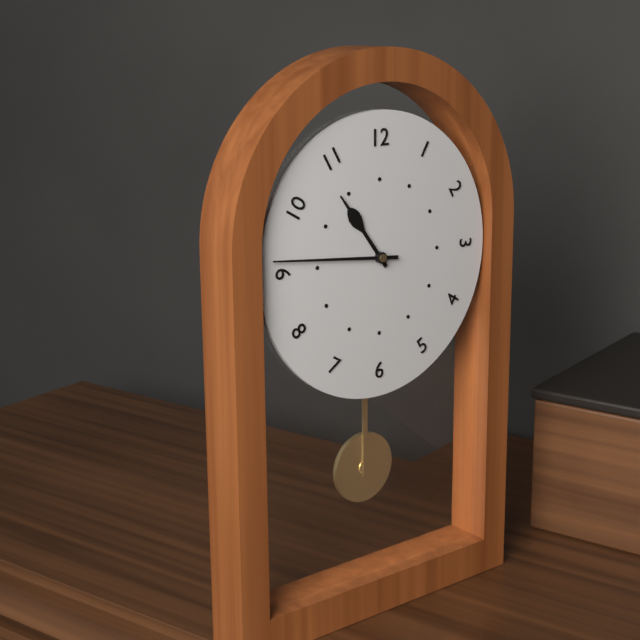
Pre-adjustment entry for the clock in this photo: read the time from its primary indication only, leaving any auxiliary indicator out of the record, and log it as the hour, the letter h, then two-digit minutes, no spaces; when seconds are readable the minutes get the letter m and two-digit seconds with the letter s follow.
10h46
